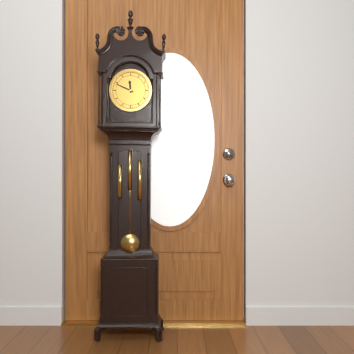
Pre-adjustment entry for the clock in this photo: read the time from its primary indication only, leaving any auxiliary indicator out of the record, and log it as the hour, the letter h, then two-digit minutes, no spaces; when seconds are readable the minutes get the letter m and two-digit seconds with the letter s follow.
11h49
